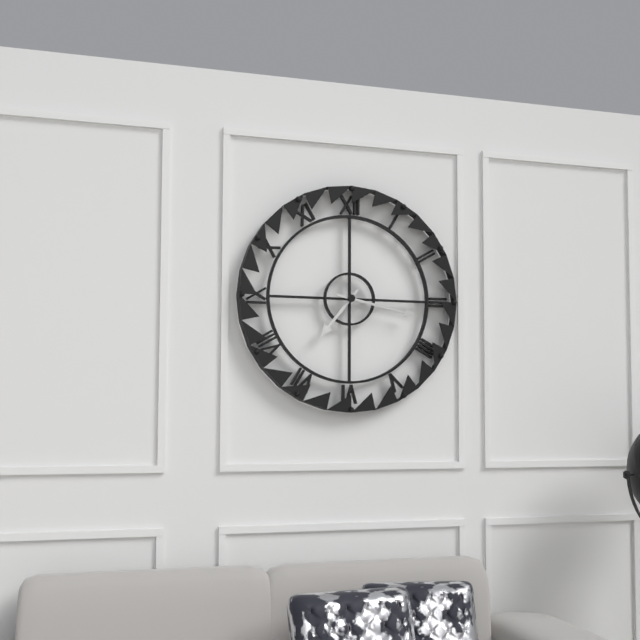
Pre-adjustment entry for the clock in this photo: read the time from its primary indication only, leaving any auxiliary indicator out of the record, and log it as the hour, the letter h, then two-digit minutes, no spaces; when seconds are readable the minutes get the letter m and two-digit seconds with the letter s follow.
7h17
